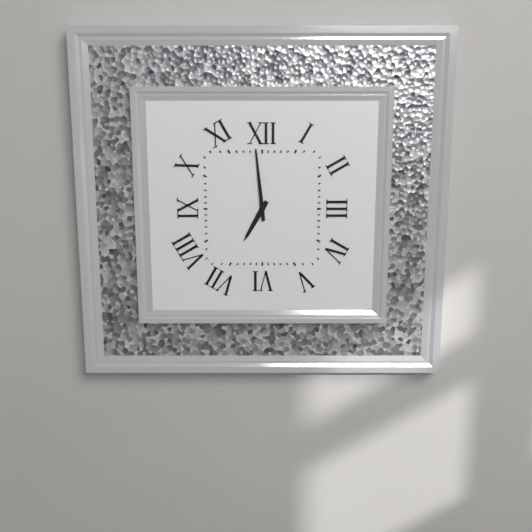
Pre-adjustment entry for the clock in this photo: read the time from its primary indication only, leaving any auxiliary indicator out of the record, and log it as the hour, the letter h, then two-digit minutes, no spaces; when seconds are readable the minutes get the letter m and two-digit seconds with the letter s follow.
6h59
